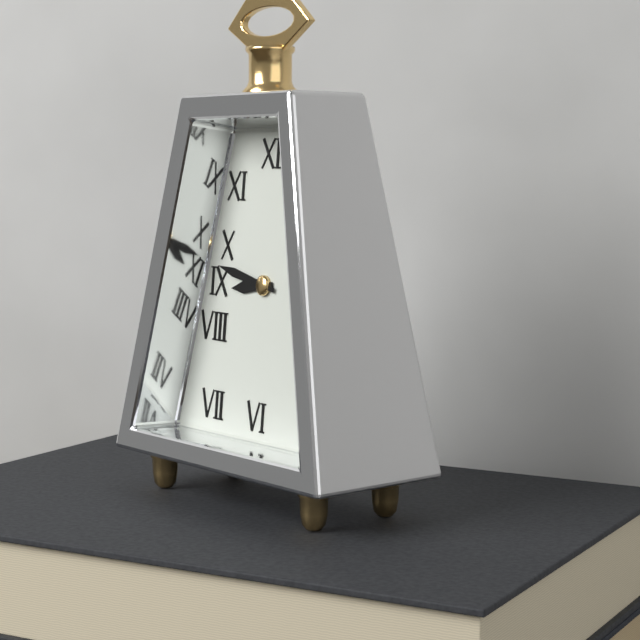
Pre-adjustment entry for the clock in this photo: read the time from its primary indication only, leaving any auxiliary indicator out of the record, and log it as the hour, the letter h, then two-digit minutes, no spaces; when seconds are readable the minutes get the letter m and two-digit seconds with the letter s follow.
8h47
